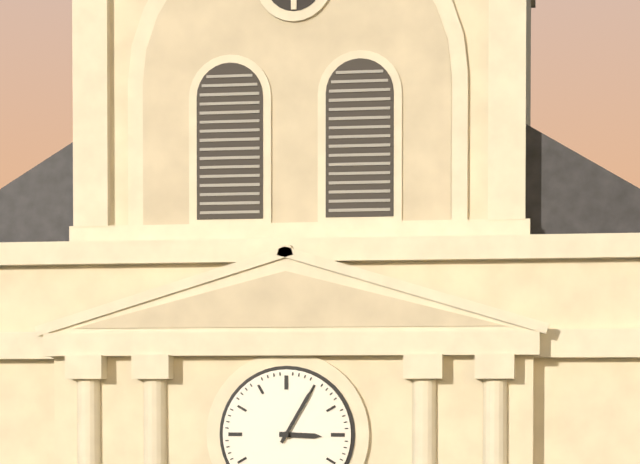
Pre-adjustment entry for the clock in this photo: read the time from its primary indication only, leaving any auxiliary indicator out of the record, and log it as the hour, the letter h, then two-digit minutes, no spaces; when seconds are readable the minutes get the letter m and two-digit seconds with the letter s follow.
3h05
